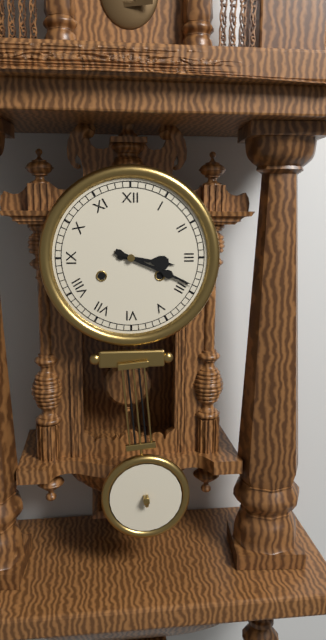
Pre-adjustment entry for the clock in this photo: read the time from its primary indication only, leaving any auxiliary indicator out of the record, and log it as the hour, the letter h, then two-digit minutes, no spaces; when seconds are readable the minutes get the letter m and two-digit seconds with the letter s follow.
3h19
